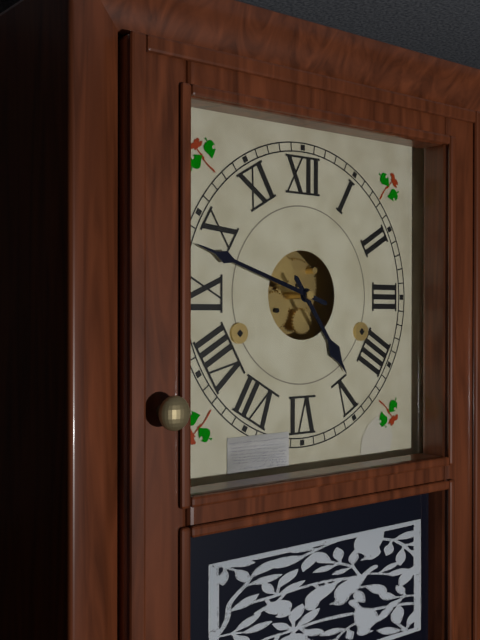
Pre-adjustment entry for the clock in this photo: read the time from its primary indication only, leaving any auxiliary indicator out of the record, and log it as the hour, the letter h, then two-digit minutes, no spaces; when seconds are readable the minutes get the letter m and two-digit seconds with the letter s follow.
4h48
